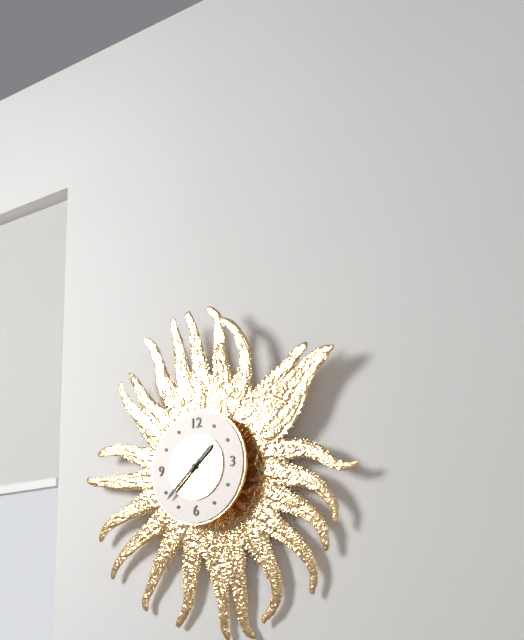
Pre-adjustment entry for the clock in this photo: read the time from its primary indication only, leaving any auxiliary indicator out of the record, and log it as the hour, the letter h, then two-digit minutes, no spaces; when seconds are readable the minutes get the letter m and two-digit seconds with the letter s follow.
1h38
